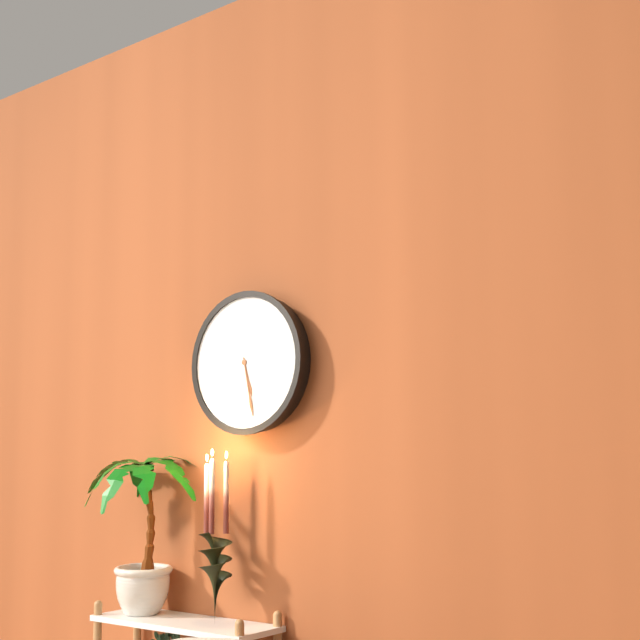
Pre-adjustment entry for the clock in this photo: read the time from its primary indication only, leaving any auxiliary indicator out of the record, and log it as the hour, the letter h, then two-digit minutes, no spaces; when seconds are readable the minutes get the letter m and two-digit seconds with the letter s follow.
5h28
